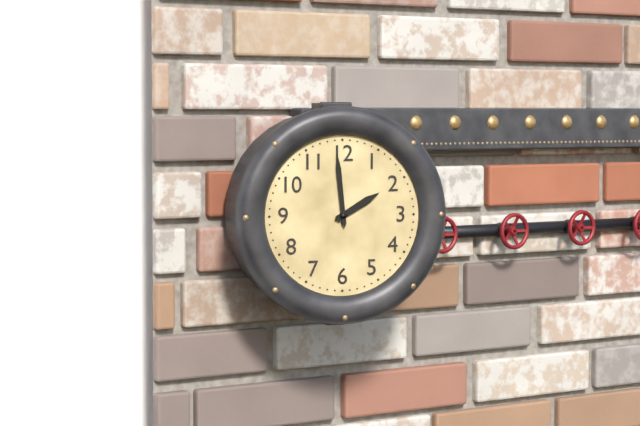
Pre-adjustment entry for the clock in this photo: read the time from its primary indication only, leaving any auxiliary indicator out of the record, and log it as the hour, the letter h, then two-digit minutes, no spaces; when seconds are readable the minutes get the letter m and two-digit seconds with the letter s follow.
1h59
